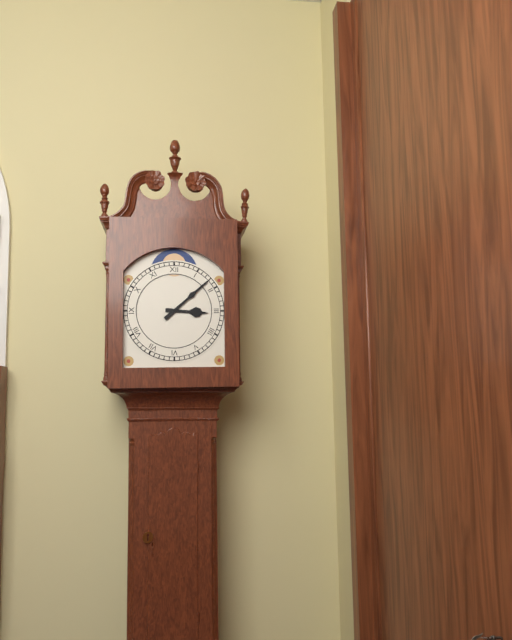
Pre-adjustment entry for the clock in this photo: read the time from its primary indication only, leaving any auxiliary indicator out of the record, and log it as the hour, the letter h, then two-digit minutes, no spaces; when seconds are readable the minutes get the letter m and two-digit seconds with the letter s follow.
3h08
